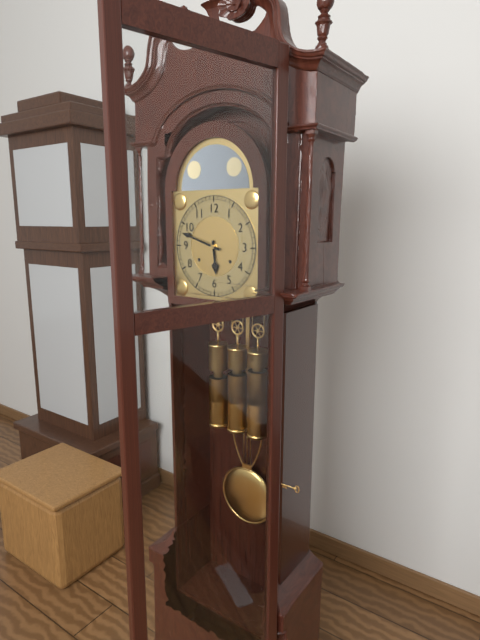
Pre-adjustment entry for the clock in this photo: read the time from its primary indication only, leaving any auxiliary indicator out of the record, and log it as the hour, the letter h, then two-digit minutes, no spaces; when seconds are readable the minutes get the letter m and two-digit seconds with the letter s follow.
5h48
